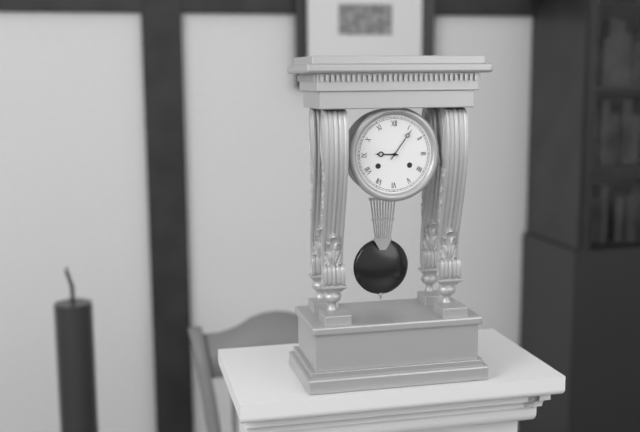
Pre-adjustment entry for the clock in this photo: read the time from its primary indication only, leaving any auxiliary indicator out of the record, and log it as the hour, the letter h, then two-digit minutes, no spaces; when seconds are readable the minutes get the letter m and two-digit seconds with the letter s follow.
9h06
